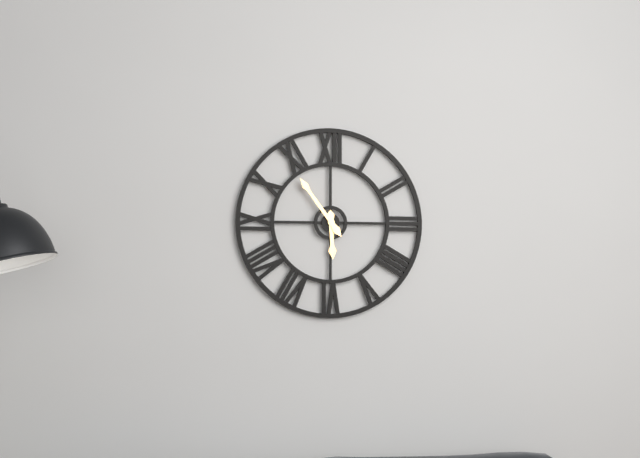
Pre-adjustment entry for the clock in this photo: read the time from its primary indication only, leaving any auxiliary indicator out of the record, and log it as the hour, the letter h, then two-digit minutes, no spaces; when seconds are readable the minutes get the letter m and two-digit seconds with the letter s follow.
5h54
